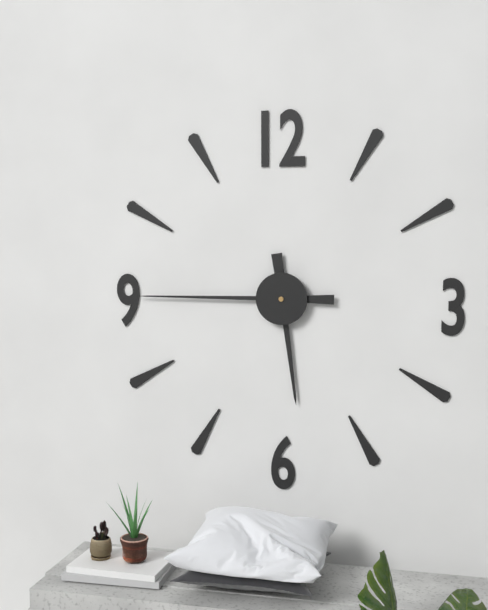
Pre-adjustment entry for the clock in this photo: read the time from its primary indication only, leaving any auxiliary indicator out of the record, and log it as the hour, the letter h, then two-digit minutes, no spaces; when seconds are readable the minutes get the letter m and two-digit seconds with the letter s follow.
5h45
